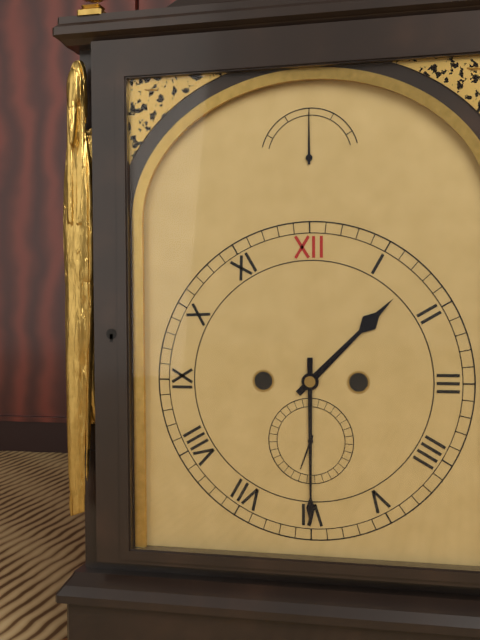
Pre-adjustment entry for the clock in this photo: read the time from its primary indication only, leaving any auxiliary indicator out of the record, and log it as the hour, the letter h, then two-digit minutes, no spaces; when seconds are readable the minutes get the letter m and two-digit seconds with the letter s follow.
1h30
